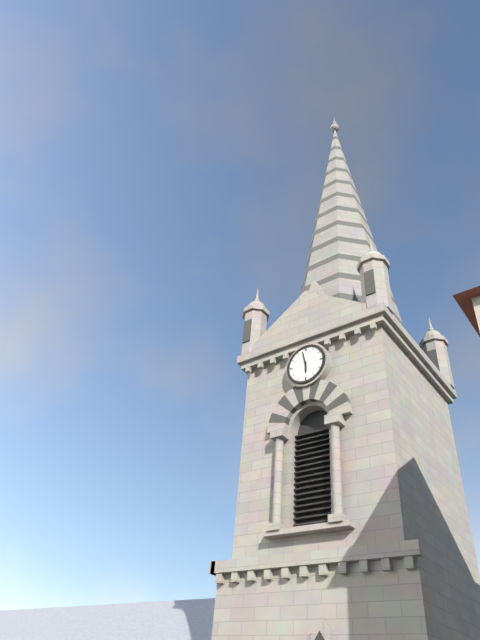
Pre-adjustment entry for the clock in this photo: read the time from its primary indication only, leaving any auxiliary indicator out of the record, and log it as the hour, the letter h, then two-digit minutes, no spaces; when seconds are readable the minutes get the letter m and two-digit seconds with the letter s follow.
5h58
